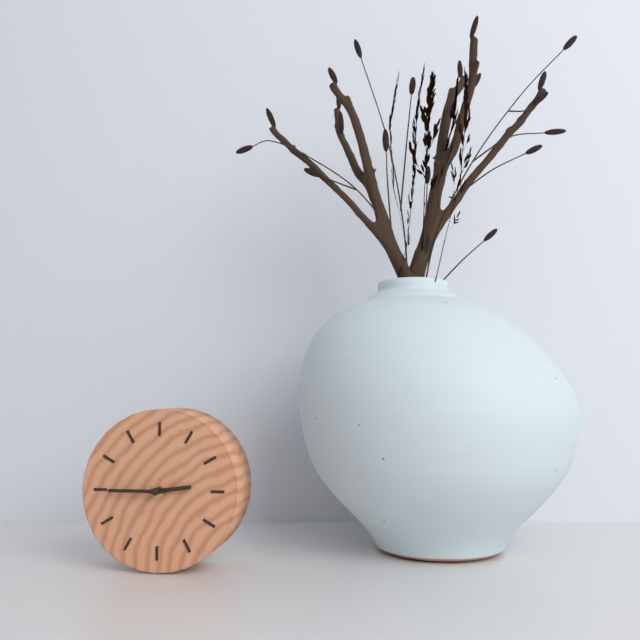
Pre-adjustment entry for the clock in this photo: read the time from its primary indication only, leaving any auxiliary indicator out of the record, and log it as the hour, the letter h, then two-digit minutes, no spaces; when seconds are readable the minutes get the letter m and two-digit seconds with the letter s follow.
2h45
